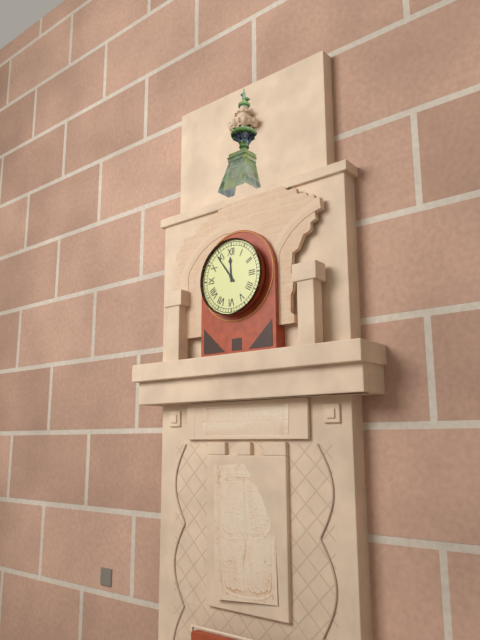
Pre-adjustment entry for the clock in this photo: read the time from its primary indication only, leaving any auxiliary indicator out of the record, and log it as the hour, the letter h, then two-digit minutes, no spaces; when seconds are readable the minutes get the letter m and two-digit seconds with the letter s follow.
11h54
